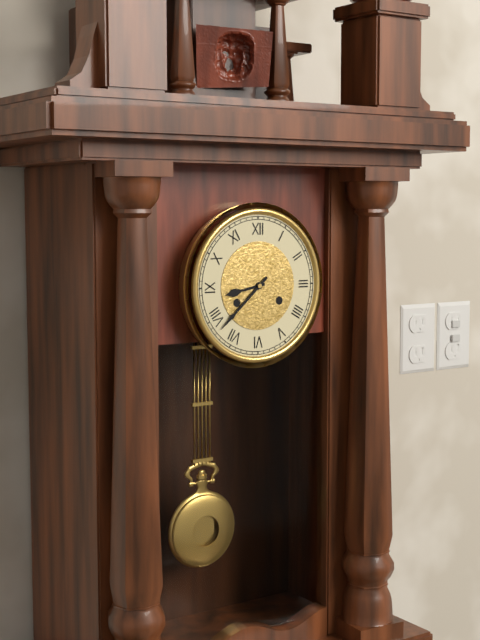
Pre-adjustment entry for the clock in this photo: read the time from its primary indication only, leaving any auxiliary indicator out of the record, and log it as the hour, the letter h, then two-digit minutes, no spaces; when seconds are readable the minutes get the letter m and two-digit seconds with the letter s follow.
8h38
